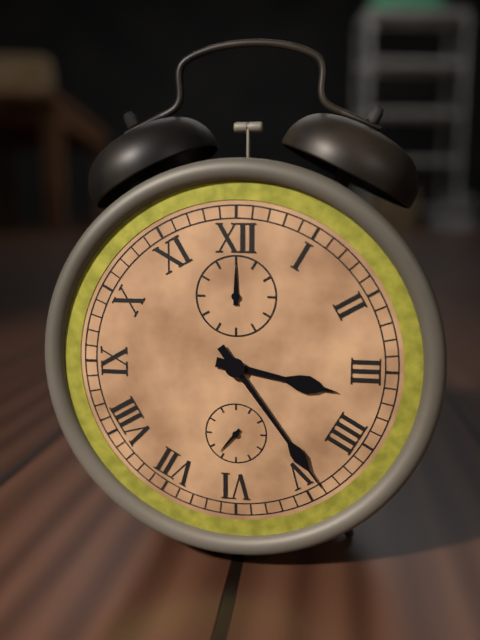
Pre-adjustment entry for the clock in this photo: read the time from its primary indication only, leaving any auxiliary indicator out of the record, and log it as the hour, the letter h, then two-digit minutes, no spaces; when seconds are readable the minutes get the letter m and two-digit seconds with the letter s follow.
3h24
